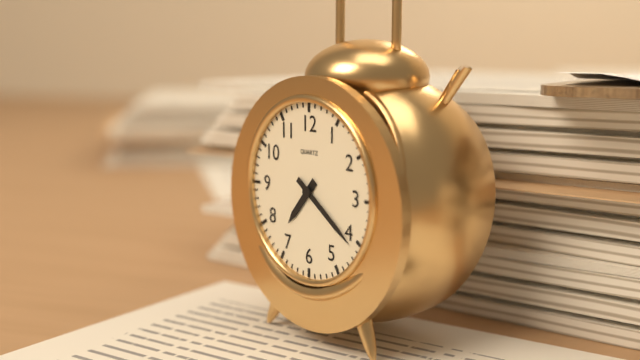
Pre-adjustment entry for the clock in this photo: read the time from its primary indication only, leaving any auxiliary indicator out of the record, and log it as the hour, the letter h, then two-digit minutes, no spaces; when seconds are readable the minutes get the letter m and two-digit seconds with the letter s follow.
7h21
